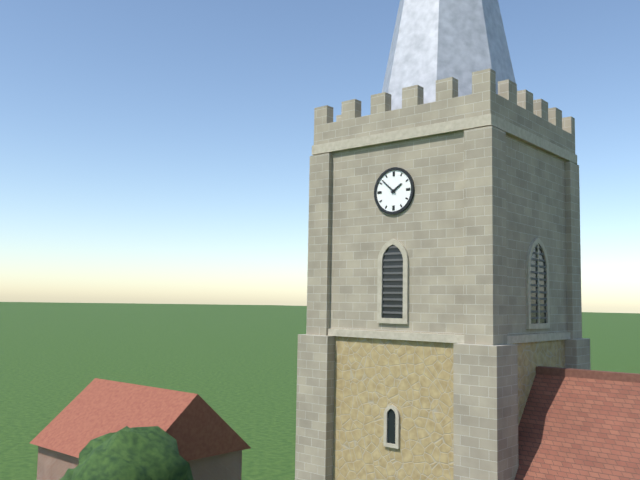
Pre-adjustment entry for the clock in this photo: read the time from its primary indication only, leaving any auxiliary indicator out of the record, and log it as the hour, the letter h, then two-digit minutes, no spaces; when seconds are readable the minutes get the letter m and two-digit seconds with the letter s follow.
1h52
